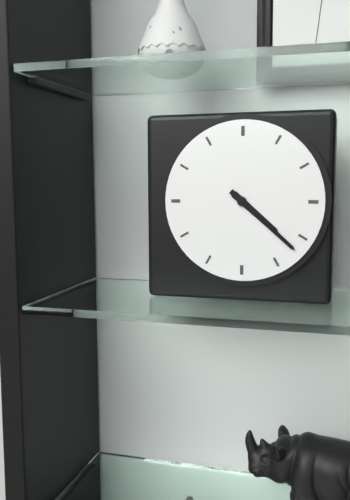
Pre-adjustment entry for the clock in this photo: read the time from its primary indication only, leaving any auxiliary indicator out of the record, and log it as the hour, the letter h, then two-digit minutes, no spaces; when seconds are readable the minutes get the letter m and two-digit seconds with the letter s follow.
4h22
